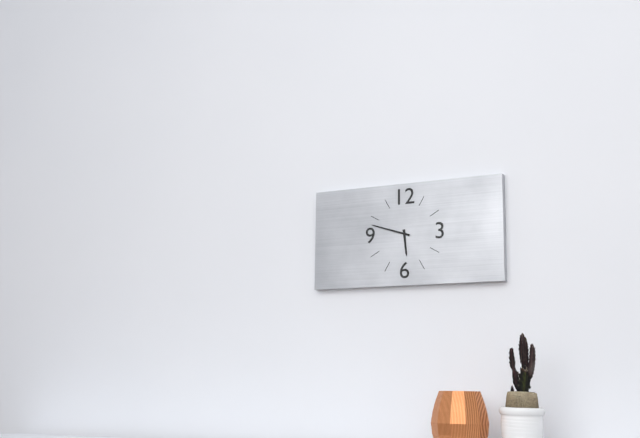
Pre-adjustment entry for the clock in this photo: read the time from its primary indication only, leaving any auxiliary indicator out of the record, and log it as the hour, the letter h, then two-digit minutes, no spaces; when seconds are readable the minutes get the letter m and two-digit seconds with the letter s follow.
5h48
